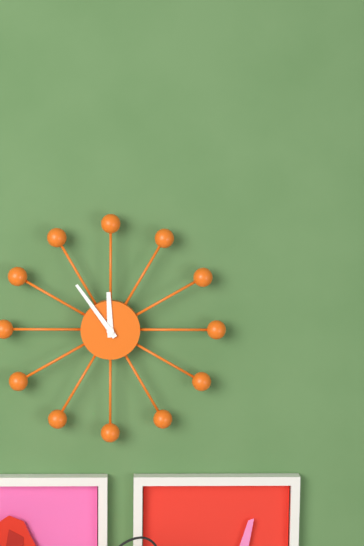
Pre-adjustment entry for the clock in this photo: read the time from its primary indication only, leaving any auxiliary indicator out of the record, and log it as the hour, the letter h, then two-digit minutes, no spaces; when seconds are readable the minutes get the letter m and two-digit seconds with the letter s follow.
11h54
